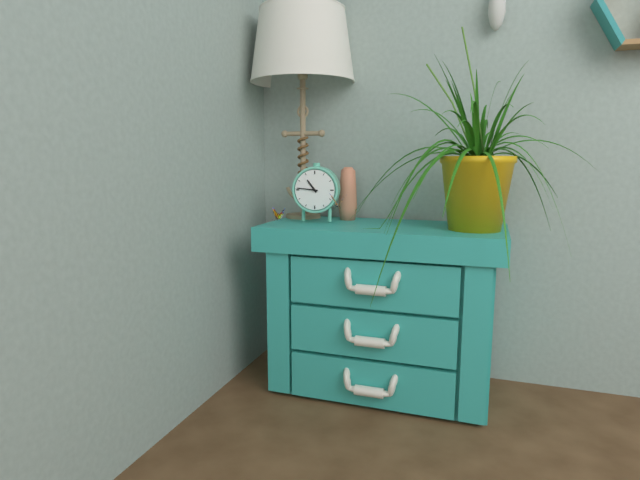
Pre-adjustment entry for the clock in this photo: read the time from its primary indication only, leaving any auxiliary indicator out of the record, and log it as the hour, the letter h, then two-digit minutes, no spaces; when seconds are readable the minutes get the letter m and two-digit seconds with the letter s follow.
10h46
